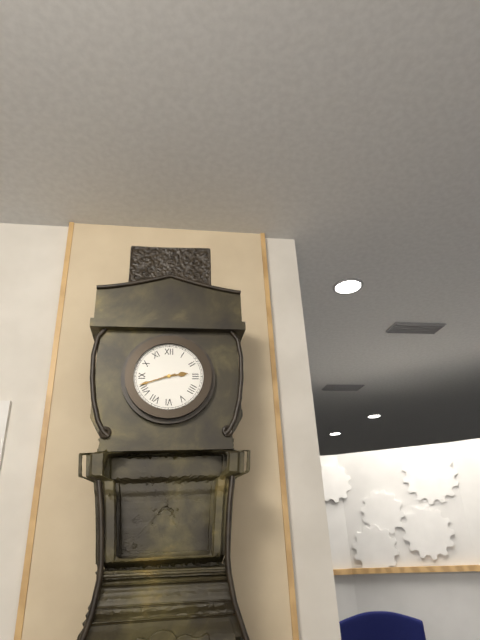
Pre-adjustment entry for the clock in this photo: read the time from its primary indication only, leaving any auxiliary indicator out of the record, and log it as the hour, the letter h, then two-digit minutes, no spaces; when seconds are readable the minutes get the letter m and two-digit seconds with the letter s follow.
2h42
